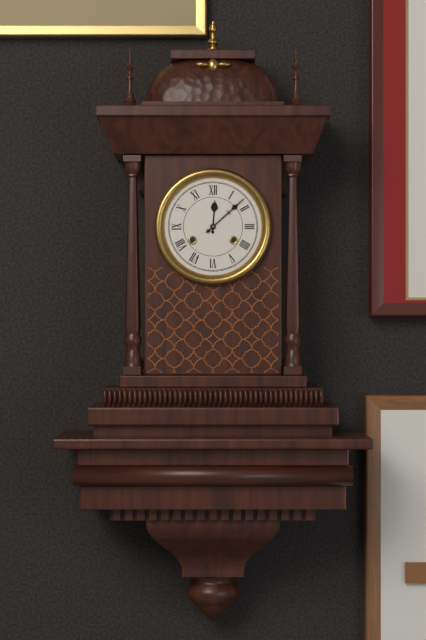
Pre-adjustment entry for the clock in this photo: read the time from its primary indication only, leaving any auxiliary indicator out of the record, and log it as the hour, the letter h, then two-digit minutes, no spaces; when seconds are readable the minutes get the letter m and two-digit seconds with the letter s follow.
12h08
